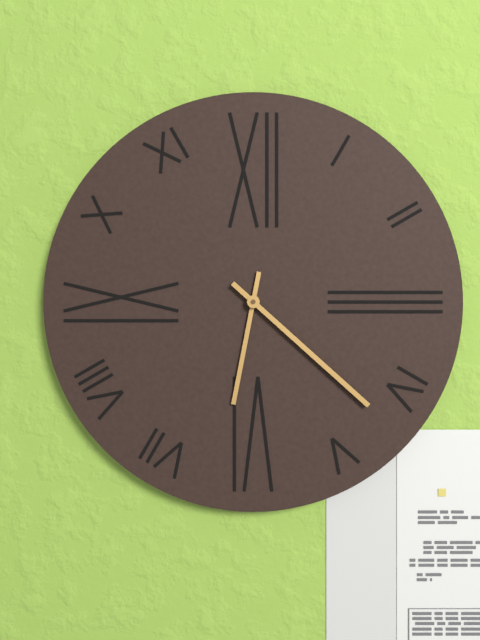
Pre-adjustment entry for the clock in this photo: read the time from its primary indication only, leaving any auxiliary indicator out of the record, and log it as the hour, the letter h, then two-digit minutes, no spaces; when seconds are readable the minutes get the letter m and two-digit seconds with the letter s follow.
6h22
